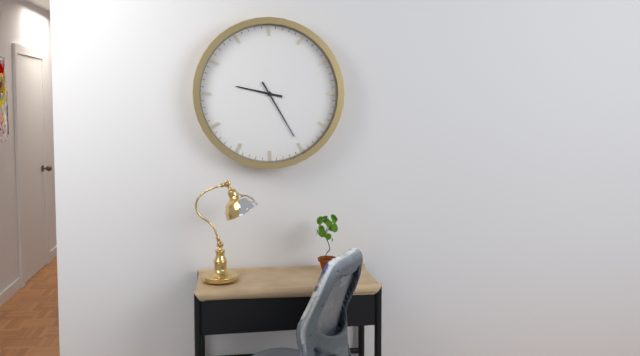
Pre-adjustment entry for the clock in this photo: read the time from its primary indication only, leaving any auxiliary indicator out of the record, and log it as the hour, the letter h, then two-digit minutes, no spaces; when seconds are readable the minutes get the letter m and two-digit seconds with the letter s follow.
9h25
